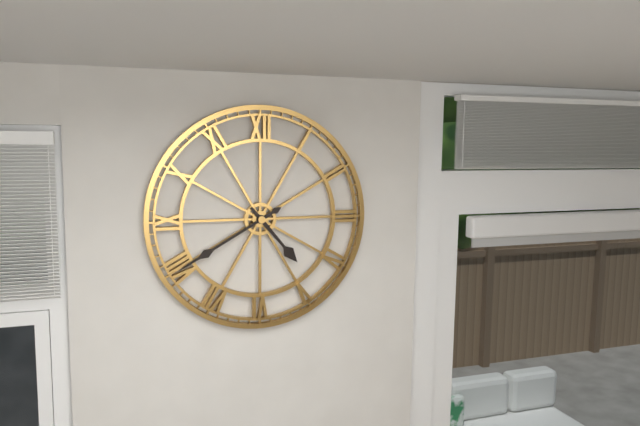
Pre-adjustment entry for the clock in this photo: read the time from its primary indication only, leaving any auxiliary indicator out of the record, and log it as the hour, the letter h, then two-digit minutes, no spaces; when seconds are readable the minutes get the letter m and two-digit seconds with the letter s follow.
4h40
